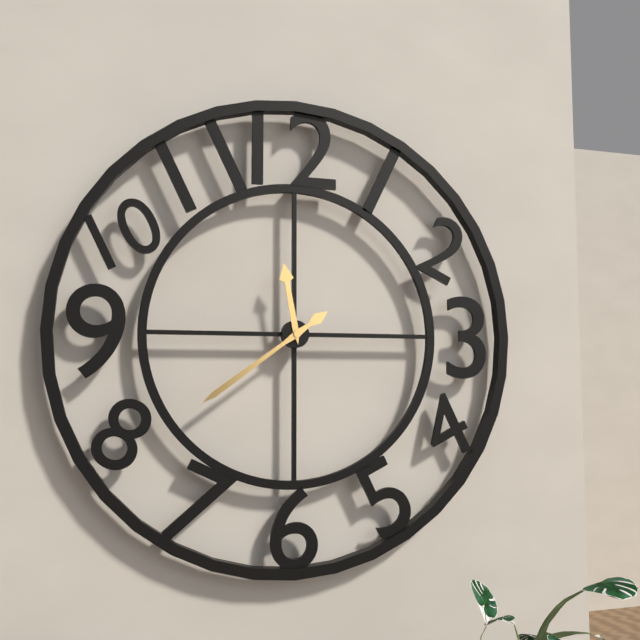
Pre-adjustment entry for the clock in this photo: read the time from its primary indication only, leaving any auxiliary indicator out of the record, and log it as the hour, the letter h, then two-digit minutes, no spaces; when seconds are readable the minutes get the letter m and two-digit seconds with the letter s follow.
11h39
